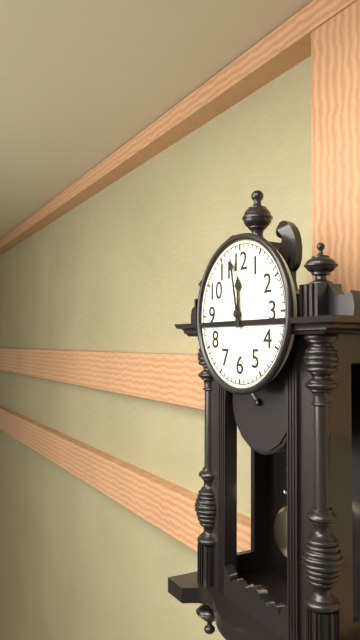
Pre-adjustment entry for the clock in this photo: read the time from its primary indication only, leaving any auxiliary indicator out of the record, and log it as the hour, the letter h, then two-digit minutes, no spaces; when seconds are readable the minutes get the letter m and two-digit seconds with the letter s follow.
11h58
